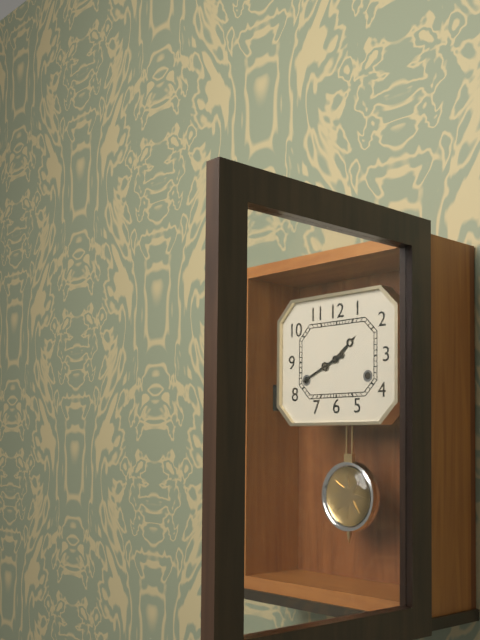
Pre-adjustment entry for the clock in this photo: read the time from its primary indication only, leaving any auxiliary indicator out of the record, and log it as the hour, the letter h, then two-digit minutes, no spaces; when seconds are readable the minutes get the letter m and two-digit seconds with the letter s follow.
1h41
